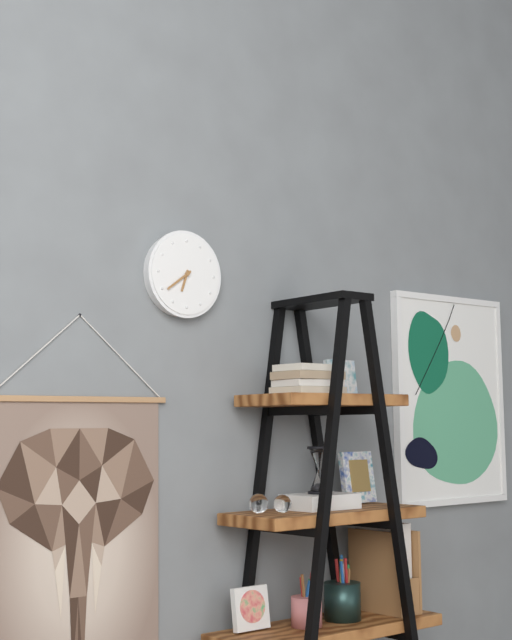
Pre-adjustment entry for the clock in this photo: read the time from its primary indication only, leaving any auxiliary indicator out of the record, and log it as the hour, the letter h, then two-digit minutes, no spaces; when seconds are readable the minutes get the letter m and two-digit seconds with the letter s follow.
6h39
